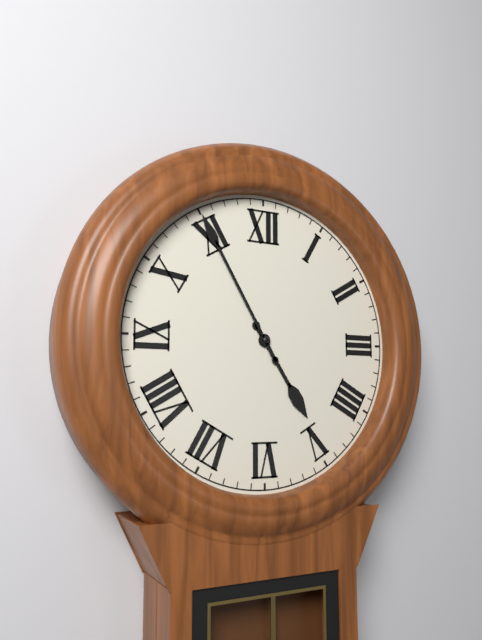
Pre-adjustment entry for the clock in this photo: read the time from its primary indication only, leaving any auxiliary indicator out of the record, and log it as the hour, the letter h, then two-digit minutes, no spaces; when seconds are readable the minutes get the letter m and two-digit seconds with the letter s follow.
4h55
